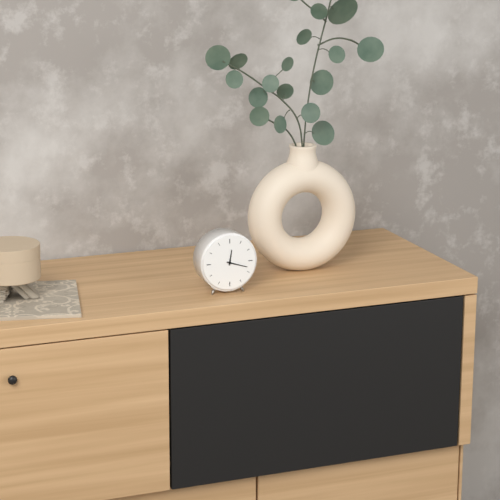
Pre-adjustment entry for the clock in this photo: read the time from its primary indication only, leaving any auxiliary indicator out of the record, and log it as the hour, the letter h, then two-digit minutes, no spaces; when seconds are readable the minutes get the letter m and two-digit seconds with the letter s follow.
12h18
